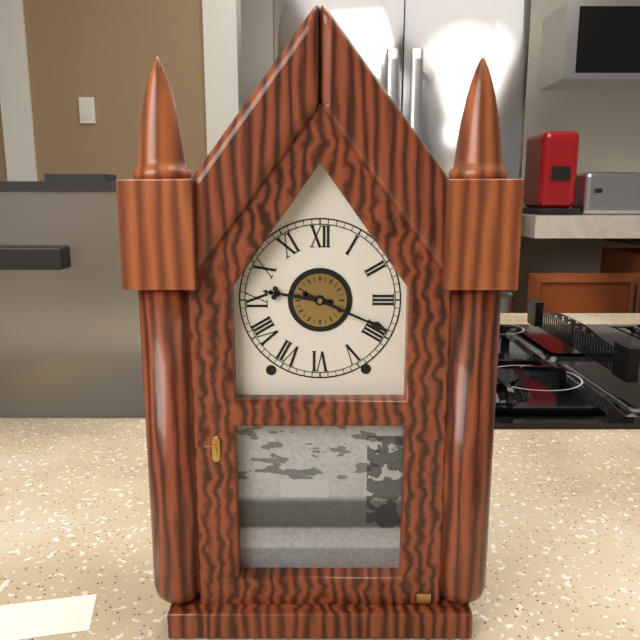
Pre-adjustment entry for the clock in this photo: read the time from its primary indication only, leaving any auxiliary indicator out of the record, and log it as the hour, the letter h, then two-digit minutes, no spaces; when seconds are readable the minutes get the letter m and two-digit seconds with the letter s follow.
9h19
